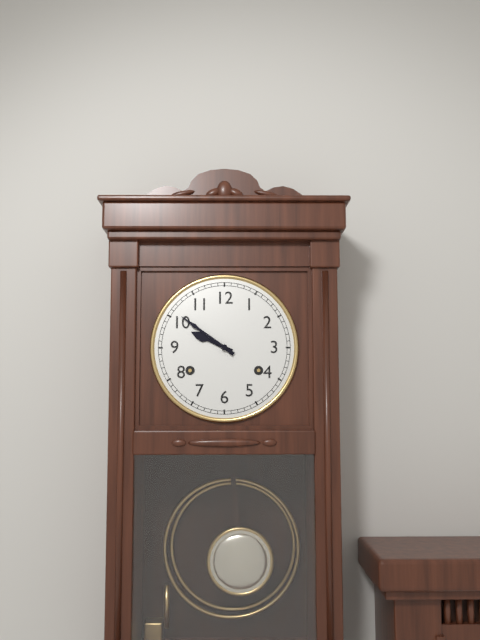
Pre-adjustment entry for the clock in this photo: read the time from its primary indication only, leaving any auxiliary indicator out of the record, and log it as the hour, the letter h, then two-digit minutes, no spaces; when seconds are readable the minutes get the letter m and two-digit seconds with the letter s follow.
9h51
